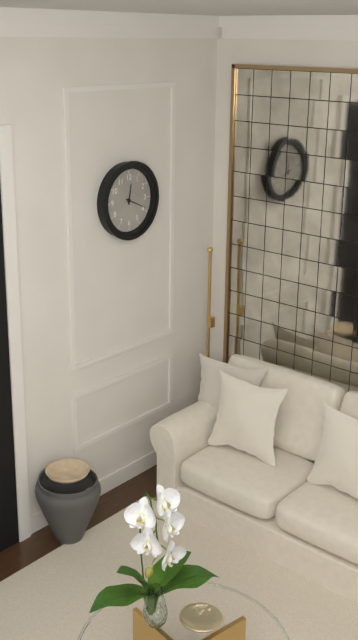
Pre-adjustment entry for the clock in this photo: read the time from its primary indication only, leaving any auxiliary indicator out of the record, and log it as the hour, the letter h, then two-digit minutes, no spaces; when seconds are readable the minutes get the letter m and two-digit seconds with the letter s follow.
12h19
